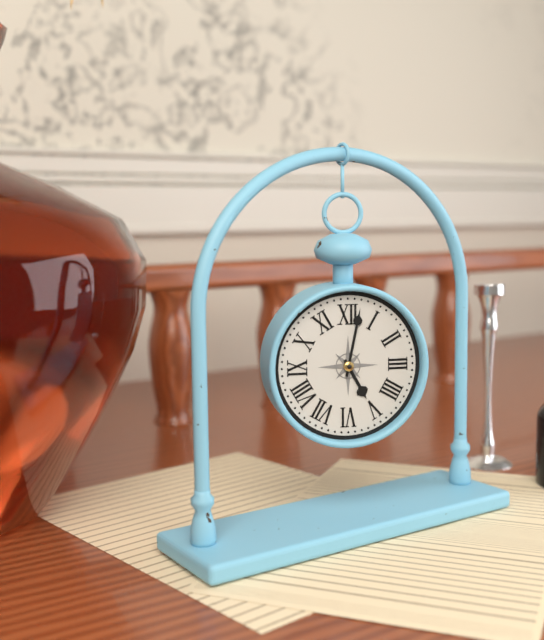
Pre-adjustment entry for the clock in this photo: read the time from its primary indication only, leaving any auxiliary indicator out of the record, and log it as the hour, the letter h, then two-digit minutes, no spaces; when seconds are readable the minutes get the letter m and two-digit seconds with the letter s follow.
5h02
